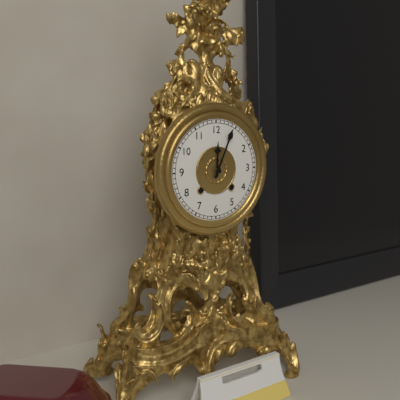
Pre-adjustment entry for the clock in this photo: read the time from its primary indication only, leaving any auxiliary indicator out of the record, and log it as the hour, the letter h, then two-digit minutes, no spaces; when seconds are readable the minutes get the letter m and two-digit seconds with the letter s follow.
12h04
